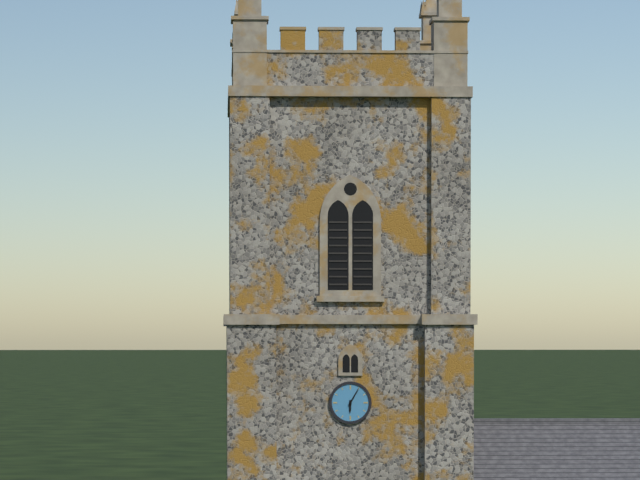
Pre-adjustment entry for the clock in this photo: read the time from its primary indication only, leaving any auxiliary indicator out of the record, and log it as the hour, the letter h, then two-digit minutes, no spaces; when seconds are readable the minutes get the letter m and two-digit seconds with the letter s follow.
6h05
